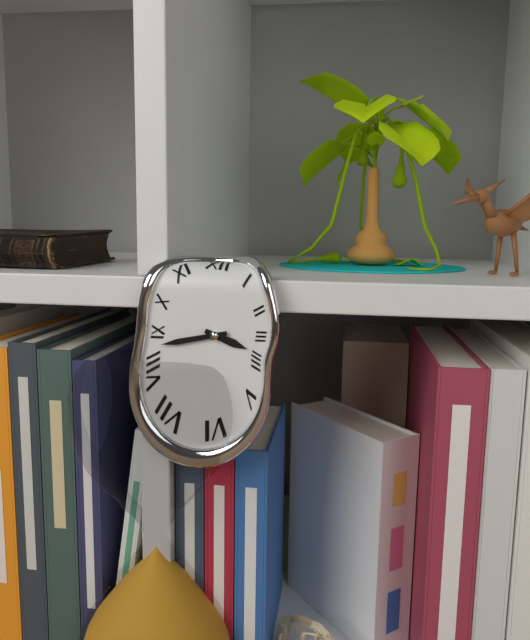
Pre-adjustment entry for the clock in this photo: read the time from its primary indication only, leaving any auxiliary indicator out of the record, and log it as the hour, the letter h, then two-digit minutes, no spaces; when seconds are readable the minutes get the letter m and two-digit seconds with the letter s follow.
3h43
